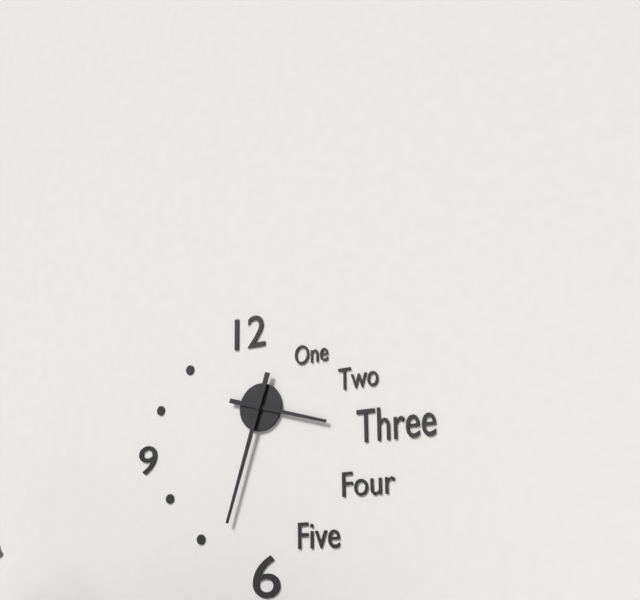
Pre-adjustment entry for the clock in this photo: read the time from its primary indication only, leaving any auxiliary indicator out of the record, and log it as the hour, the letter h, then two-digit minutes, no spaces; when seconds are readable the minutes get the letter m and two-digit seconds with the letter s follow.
3h33
